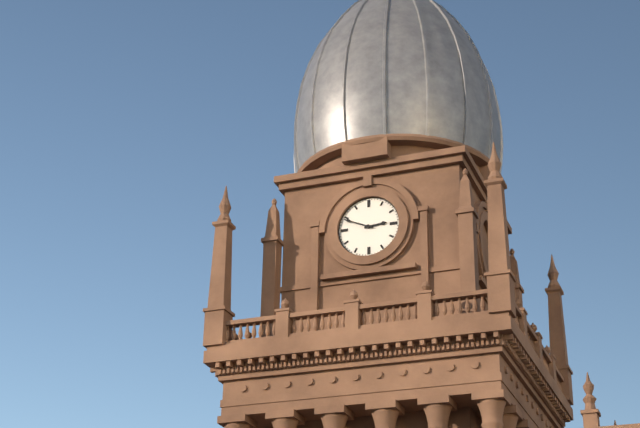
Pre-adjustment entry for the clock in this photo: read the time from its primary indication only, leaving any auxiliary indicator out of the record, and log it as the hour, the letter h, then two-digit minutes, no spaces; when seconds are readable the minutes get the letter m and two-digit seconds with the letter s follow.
2h49
